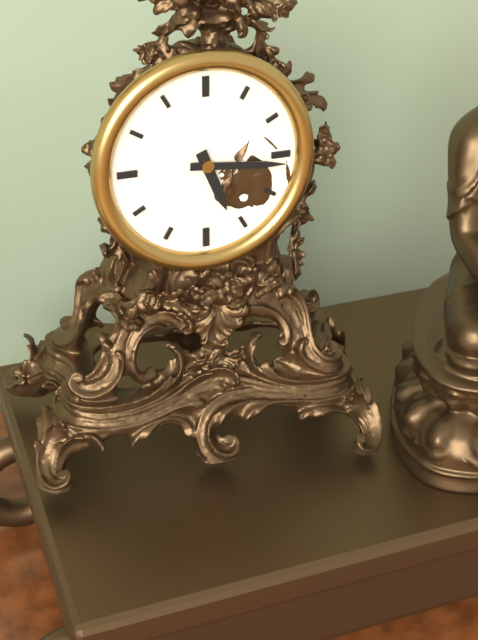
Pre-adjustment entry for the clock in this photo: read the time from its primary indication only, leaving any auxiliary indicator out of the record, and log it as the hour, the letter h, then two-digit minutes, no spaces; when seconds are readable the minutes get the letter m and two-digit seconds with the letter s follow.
5h16
